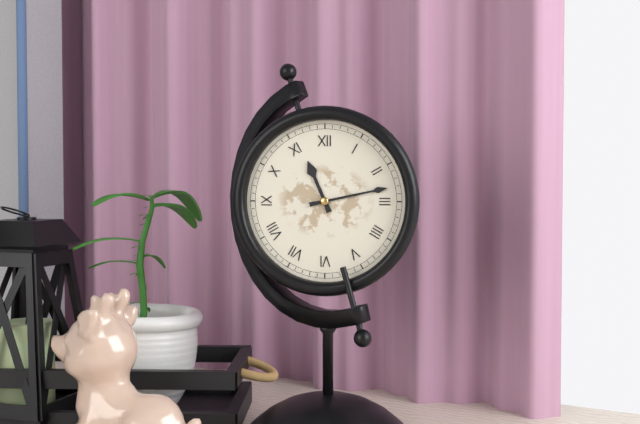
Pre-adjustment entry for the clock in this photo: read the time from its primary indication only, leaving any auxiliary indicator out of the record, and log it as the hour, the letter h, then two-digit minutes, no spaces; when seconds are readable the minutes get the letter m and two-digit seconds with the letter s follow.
11h13
